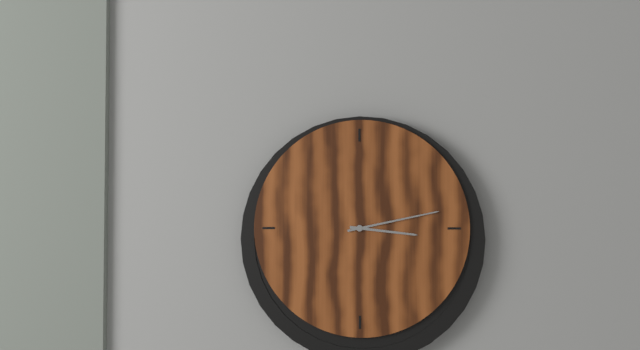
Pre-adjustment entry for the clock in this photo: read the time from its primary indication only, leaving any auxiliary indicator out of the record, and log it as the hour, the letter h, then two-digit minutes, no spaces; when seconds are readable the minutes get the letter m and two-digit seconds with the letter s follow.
3h13
